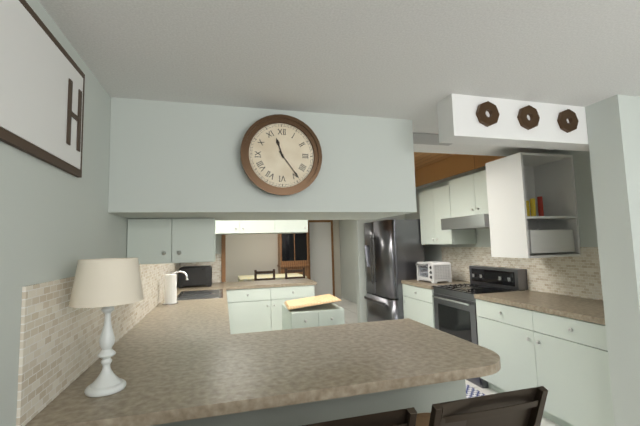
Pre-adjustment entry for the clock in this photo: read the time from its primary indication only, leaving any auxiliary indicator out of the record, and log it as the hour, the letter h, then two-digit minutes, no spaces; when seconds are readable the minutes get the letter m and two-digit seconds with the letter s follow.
11h24
